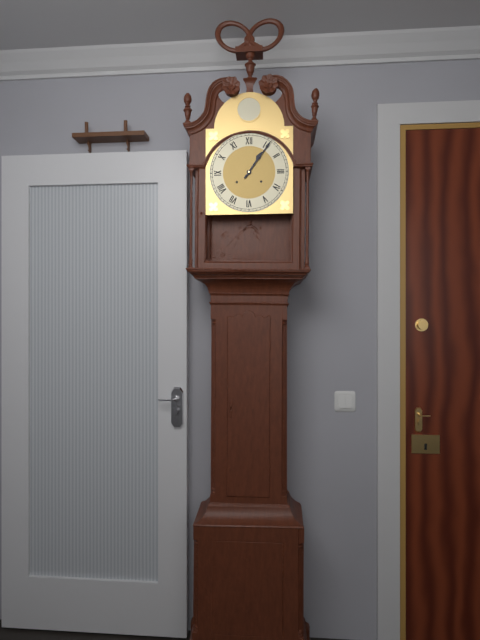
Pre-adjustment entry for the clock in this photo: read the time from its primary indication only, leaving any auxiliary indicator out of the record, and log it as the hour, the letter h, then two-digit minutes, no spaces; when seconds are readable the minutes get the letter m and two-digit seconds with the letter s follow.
1h06
